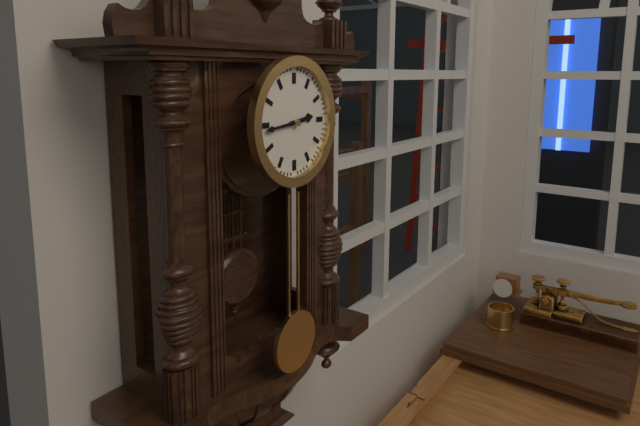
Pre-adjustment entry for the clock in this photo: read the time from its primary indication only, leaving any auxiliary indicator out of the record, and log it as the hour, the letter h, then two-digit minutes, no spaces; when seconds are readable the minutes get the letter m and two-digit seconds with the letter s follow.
2h44
